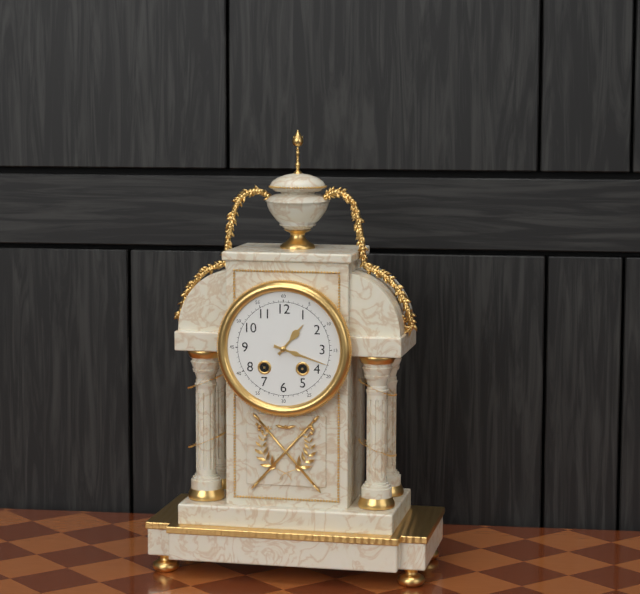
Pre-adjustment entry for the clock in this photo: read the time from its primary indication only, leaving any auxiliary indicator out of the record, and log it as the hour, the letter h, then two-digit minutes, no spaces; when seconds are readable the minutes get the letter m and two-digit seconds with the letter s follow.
1h18
